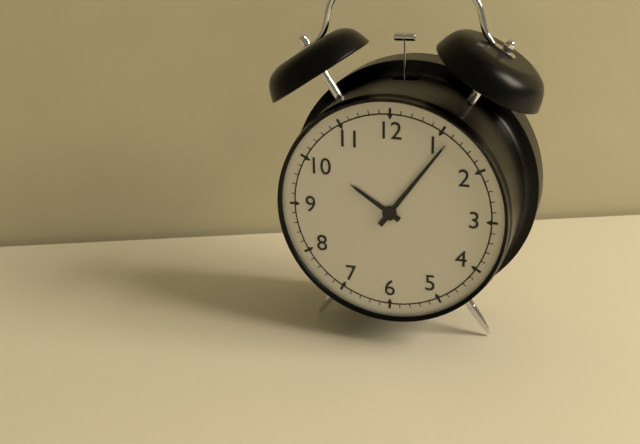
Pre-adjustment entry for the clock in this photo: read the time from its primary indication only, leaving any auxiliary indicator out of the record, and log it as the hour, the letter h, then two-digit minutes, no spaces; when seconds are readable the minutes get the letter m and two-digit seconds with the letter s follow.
10h06
